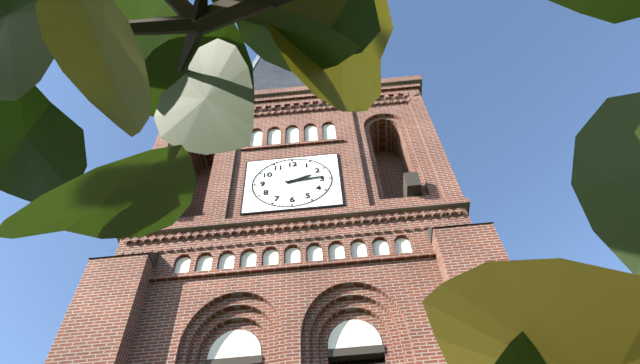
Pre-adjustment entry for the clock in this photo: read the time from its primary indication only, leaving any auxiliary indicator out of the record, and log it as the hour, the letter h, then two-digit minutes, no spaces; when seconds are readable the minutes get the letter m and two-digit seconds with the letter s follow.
2h14
